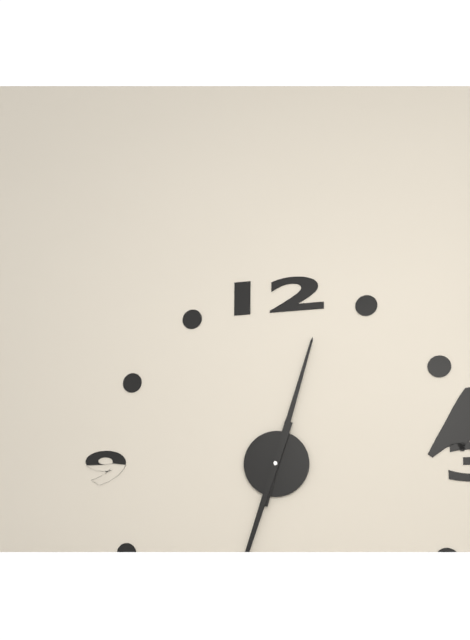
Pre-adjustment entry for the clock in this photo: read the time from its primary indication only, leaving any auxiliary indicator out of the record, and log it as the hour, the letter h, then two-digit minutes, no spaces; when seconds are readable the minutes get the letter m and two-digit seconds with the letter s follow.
12h33
